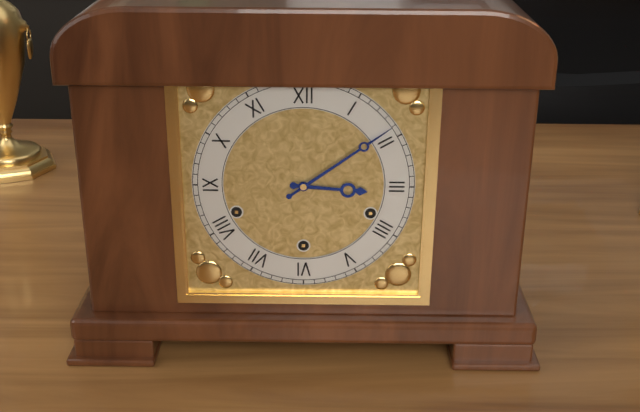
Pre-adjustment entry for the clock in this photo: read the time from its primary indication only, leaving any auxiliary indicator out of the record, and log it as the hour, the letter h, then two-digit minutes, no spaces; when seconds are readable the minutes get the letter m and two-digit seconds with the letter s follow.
3h09
